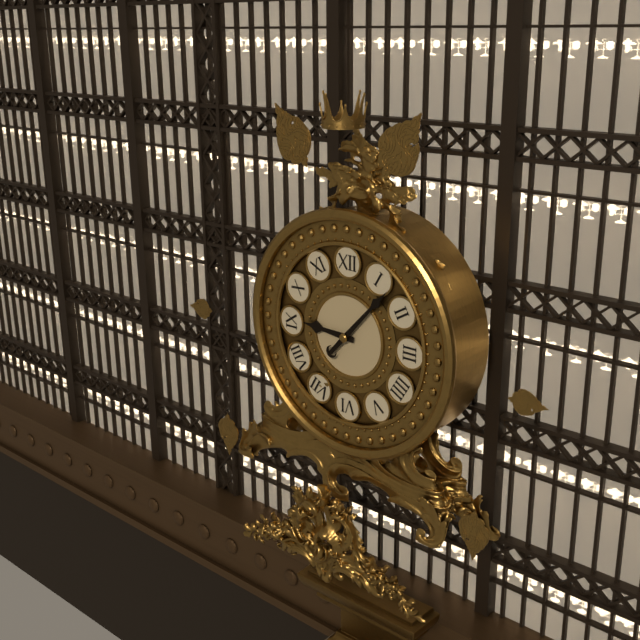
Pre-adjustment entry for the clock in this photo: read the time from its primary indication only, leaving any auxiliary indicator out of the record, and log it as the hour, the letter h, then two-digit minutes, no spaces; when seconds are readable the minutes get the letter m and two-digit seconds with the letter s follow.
9h07
